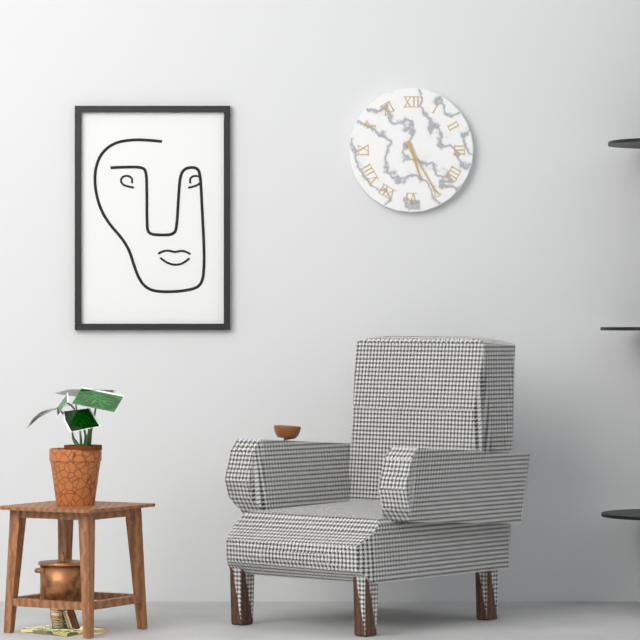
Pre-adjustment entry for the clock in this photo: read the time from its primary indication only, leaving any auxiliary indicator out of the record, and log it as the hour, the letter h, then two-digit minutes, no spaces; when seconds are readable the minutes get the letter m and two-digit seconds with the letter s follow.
5h25
